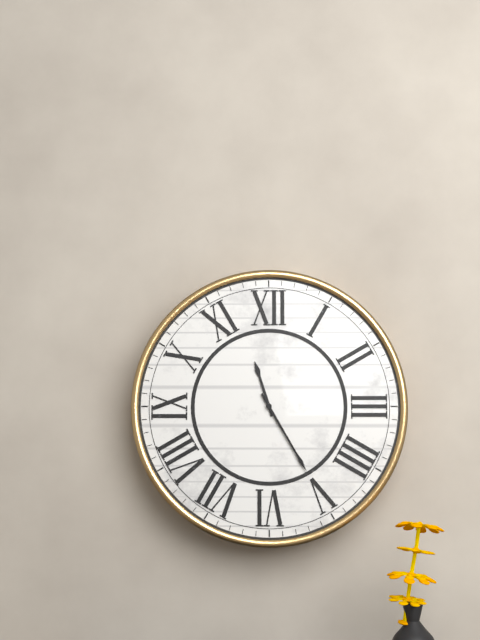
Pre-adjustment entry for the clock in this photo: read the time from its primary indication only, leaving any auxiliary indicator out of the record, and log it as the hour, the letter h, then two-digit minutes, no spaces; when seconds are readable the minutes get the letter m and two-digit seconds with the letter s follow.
11h25
